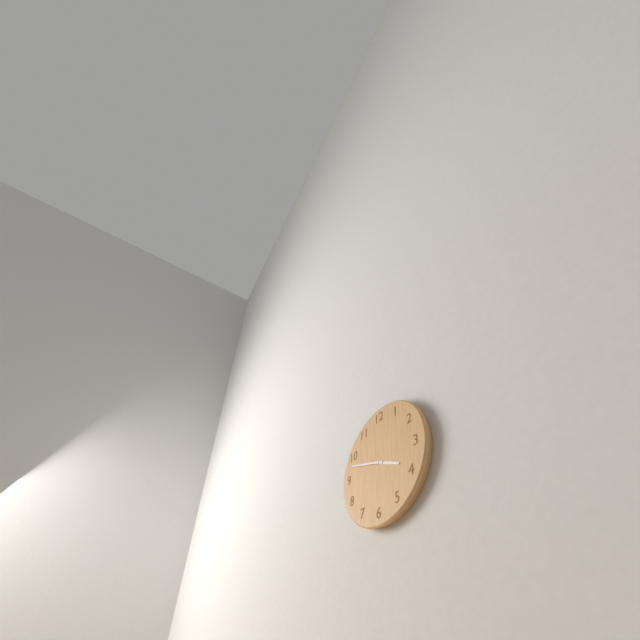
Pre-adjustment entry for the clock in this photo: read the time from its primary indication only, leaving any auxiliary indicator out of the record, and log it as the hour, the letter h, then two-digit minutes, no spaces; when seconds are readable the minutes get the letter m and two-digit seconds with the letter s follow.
3h48
